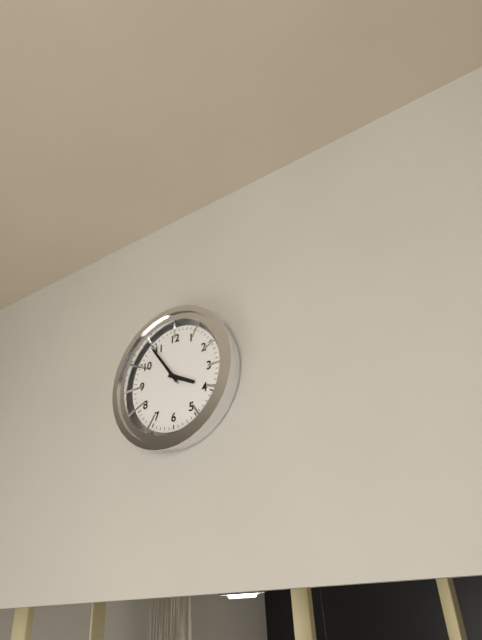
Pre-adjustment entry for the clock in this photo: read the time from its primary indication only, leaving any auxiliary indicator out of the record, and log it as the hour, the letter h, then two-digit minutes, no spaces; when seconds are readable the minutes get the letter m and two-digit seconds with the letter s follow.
3h54
